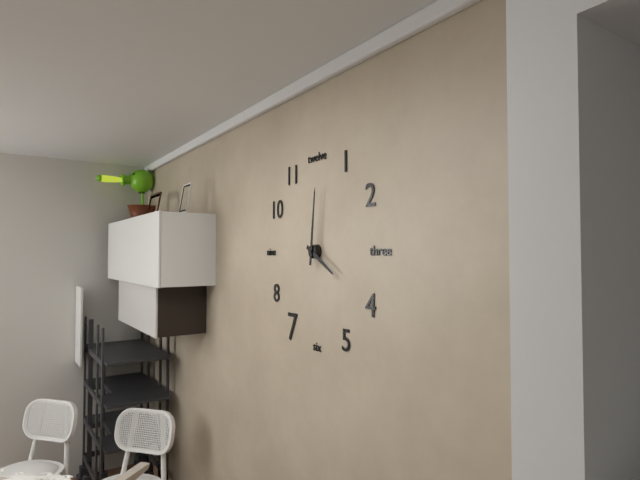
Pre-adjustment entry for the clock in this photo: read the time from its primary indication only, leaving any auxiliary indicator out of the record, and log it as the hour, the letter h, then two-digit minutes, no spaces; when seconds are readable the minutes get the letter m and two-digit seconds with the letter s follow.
4h01
